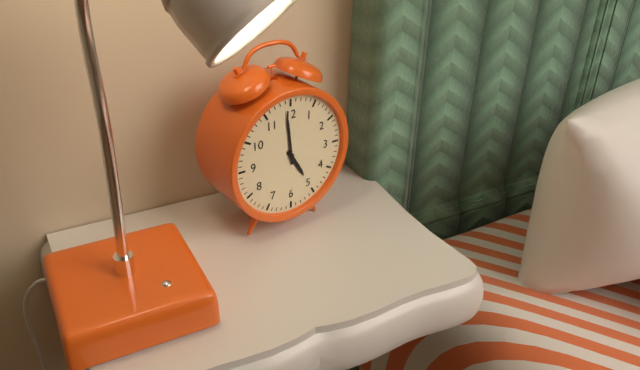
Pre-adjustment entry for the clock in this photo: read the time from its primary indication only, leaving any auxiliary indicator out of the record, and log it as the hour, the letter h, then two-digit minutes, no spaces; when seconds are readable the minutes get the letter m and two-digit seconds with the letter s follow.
4h59
